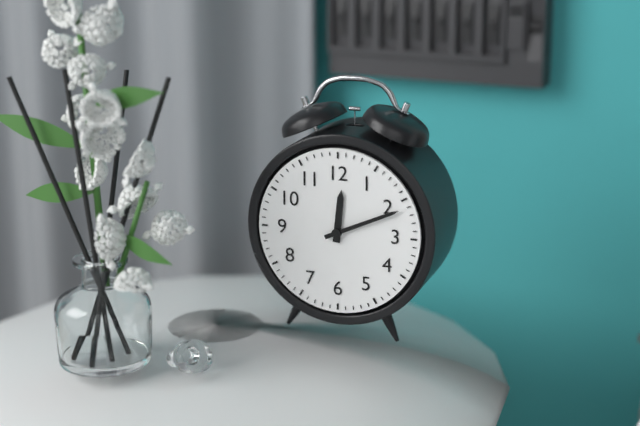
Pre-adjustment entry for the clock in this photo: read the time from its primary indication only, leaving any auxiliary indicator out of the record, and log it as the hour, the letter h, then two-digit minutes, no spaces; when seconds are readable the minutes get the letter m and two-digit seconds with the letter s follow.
12h11
